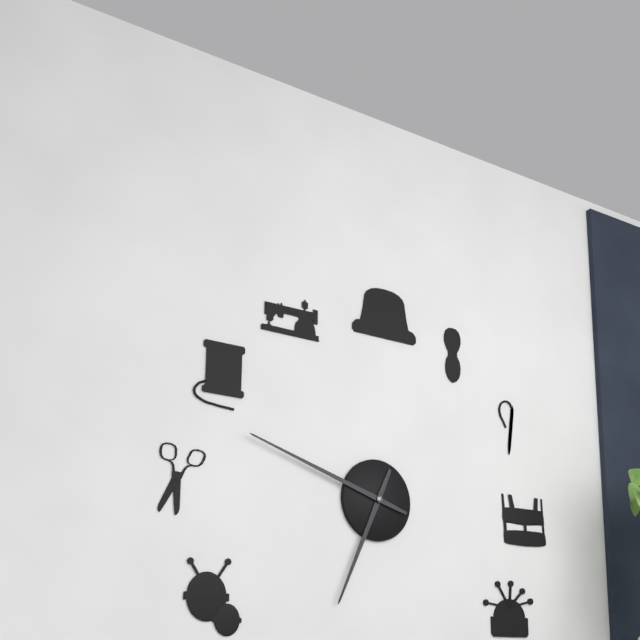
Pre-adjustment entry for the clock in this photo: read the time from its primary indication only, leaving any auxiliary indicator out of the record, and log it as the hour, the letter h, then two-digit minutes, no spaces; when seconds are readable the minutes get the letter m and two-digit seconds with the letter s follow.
6h48
